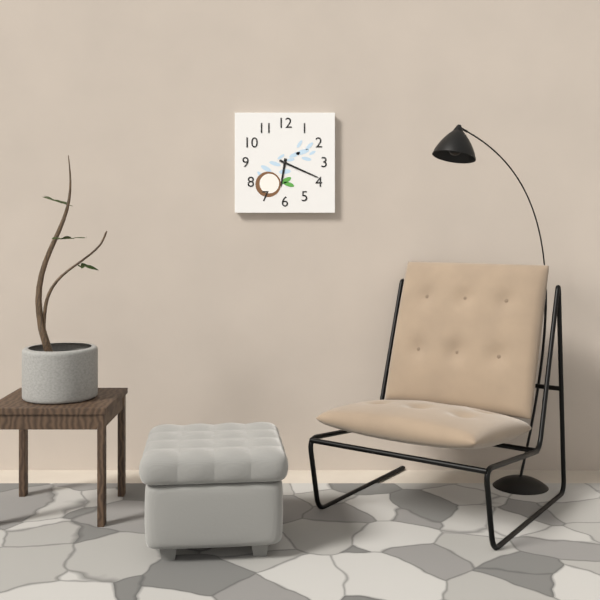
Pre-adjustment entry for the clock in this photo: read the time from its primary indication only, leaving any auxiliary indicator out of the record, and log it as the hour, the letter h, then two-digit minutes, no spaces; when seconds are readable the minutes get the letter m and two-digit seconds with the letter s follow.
6h19
